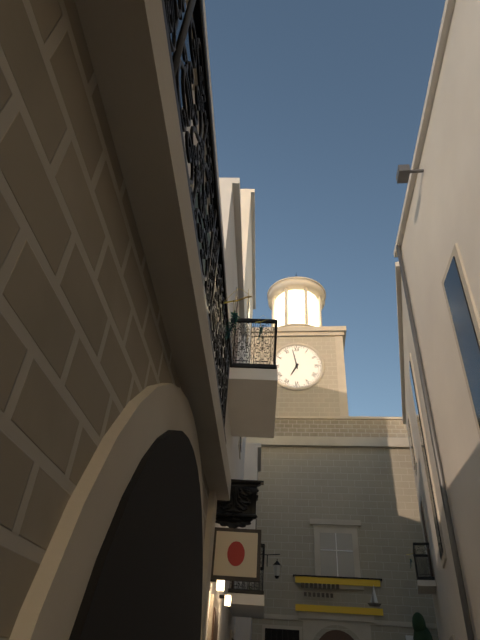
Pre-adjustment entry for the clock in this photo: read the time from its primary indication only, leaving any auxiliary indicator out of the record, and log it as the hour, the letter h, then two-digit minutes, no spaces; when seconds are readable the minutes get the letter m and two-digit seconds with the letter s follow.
6h58
